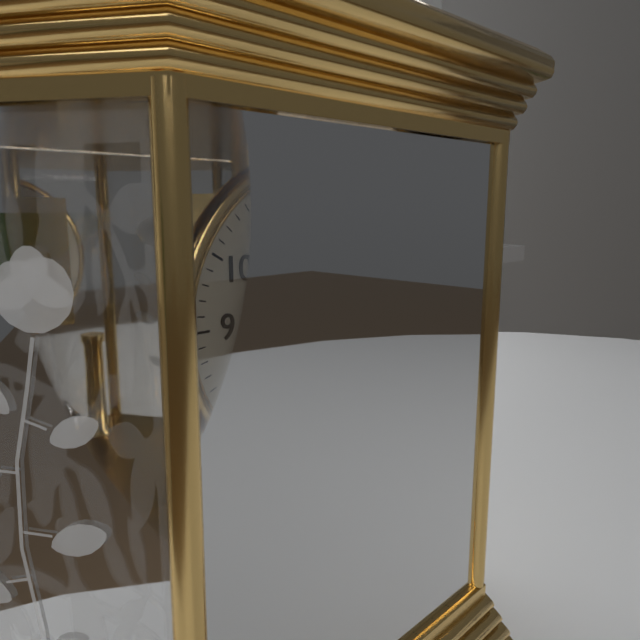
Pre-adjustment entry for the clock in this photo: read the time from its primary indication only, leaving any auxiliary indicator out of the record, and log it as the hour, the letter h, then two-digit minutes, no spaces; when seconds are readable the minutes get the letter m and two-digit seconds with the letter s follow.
6h34
